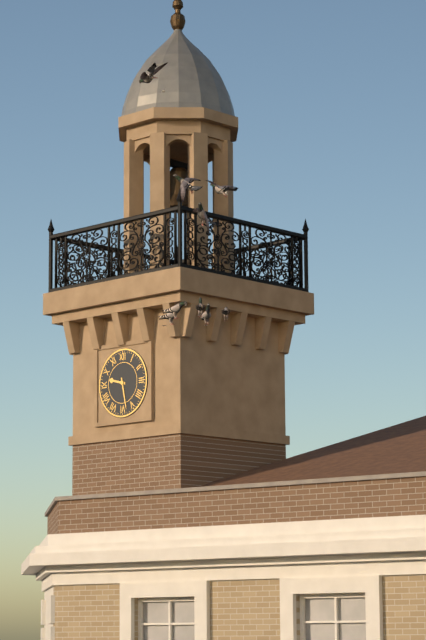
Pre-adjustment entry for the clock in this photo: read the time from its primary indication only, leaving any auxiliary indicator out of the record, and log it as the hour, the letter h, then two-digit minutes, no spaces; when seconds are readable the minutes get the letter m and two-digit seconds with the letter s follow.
9h28
